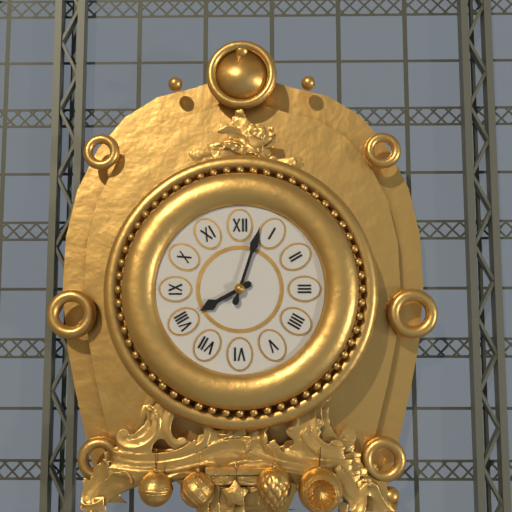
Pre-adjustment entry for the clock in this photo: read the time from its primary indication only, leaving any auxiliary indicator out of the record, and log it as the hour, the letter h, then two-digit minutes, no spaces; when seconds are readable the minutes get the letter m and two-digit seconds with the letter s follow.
8h03
